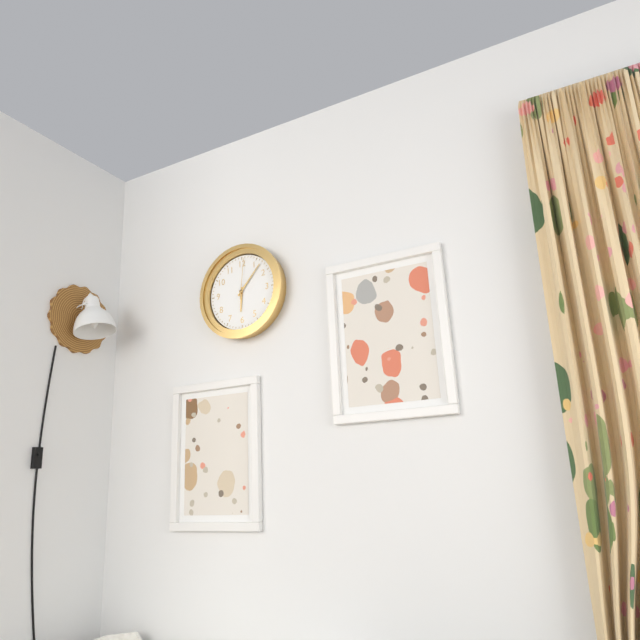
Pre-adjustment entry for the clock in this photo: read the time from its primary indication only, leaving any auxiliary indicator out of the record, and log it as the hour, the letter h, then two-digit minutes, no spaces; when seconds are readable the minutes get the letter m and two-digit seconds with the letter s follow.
6h07
